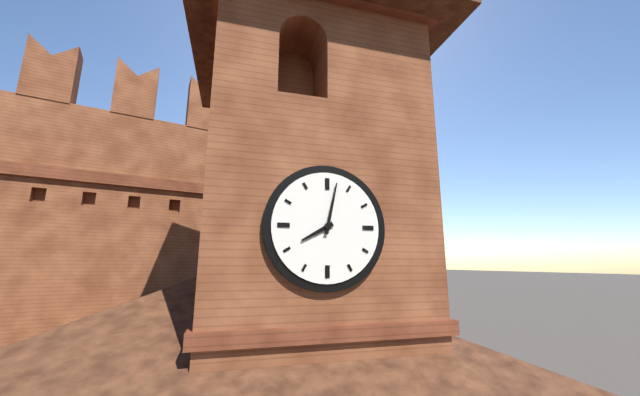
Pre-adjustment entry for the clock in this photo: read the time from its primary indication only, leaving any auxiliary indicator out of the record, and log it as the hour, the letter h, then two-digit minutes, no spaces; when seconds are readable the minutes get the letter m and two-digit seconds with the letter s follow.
8h02
